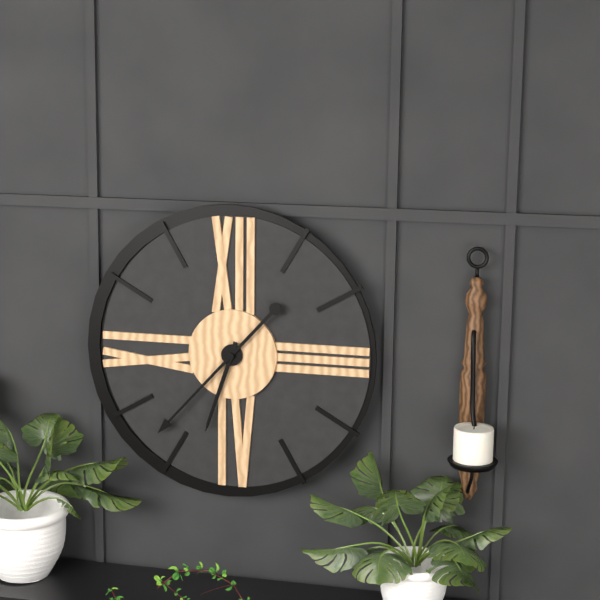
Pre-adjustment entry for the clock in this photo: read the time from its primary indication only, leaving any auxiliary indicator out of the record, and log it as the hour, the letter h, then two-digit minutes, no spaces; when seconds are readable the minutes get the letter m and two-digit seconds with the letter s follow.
6h37
